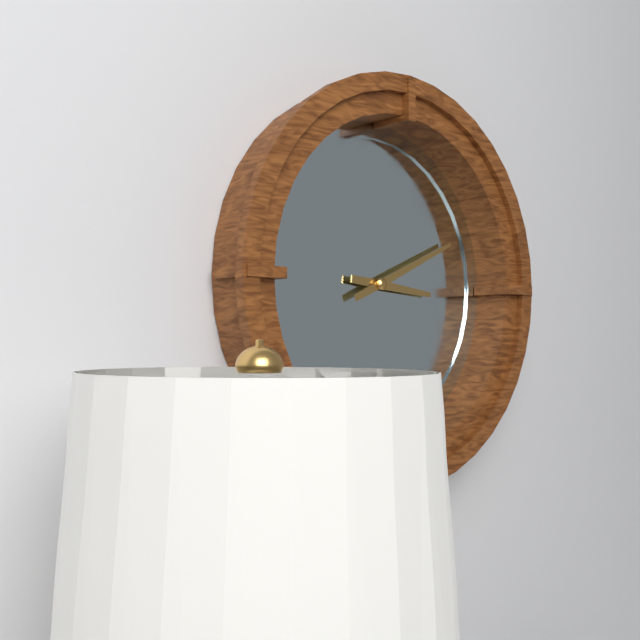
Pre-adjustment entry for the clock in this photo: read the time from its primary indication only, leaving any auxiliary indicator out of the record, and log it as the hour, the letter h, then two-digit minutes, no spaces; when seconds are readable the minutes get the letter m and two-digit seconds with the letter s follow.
3h11
